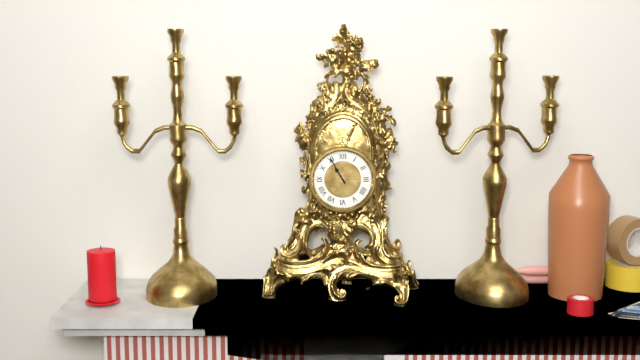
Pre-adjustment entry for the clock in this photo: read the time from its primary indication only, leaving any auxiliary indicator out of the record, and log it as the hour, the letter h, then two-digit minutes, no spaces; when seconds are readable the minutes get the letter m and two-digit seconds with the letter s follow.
10h55
